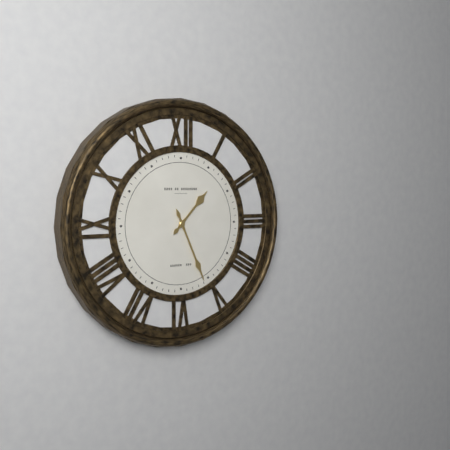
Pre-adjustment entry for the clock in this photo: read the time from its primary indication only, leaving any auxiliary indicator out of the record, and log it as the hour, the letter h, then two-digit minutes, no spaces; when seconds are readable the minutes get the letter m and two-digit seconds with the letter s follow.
1h26
